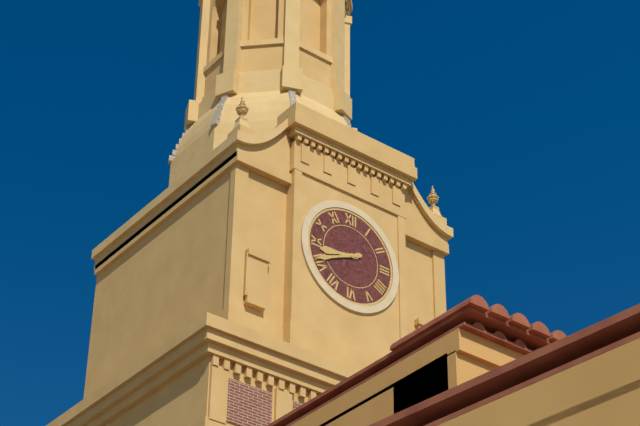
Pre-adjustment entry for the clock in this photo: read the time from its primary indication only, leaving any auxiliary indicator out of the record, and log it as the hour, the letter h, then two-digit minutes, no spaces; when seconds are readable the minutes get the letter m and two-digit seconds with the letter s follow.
8h41
